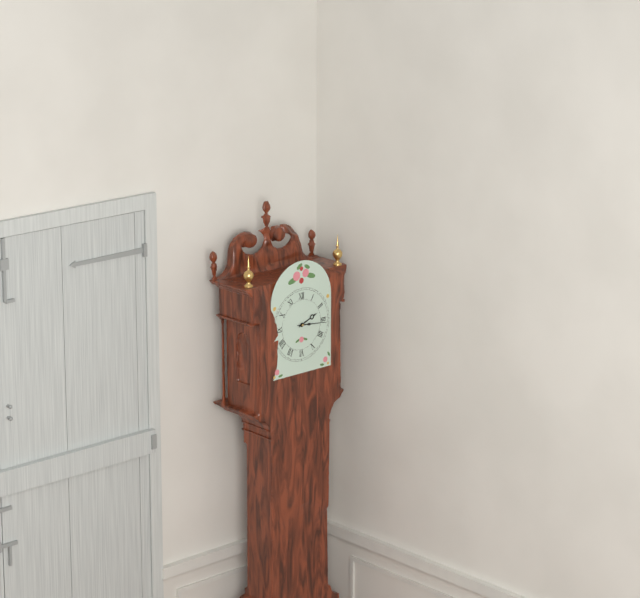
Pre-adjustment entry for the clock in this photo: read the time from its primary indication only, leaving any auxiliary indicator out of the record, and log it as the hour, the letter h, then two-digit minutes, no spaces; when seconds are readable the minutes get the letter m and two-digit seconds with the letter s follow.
2h16
